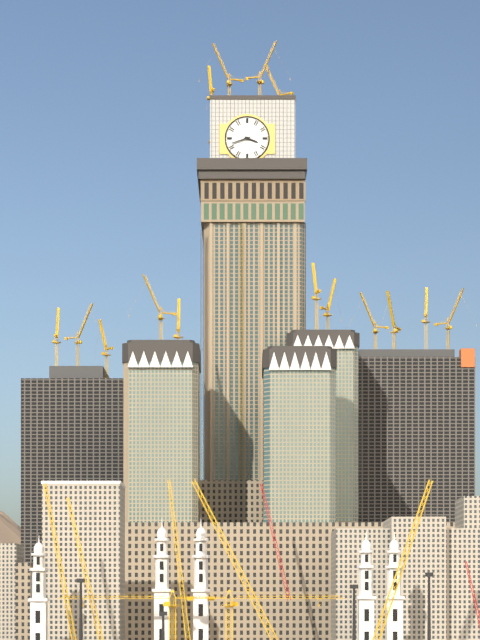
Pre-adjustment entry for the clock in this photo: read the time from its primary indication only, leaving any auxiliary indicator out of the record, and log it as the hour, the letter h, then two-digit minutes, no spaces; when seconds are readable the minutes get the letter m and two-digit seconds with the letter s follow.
3h42
